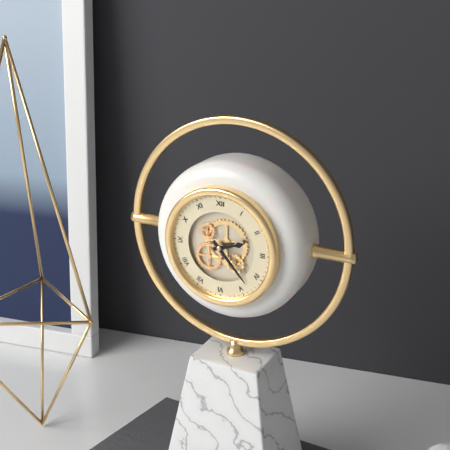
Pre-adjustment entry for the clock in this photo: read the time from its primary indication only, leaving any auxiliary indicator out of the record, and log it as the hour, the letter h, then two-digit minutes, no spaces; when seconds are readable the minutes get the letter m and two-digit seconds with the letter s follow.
2h23
